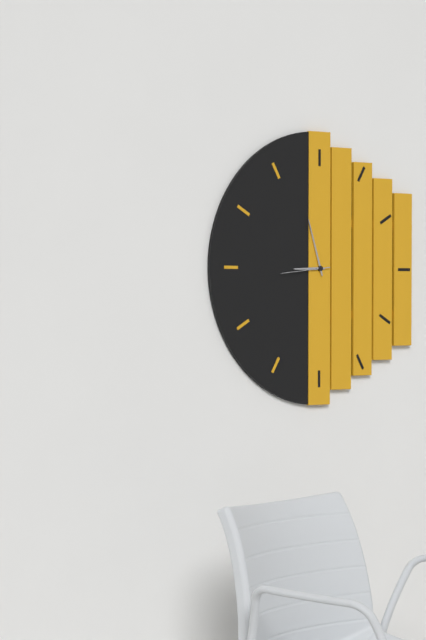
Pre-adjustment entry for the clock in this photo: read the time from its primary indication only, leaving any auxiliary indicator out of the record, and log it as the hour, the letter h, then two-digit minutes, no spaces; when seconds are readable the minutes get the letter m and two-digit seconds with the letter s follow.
8h57
